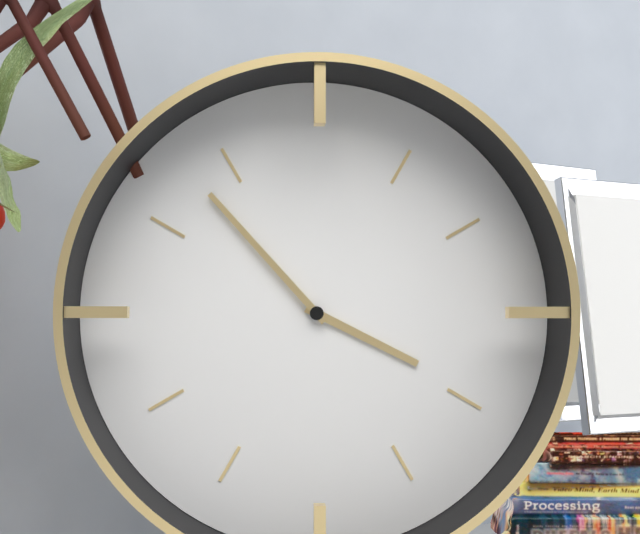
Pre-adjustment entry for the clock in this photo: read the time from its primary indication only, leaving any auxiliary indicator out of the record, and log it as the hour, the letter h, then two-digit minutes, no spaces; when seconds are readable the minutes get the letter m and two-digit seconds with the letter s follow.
3h53
